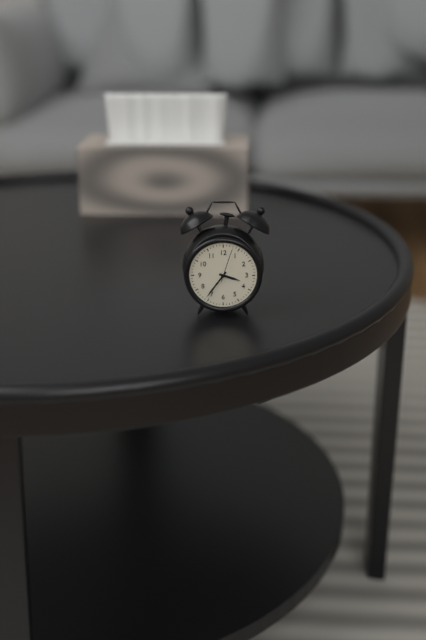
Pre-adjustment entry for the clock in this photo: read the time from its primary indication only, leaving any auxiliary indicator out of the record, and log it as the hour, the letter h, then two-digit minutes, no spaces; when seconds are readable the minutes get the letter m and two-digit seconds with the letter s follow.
3h36
